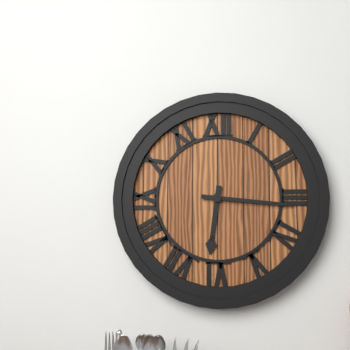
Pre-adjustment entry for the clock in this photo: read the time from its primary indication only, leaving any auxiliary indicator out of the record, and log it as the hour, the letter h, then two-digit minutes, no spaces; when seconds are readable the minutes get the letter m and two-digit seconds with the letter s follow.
6h16
